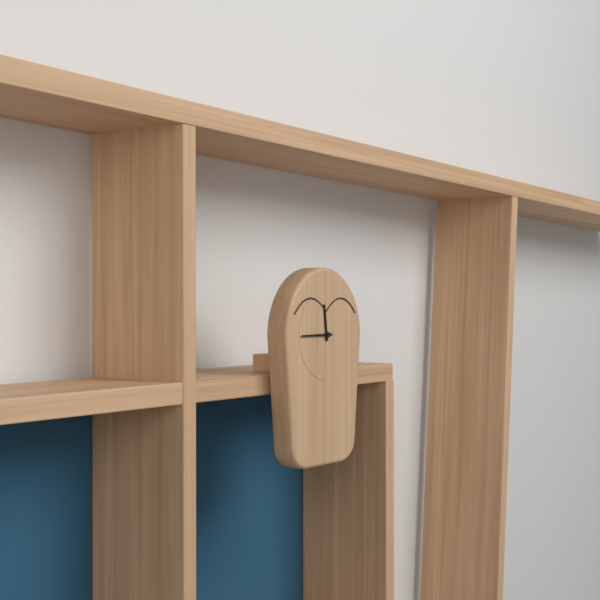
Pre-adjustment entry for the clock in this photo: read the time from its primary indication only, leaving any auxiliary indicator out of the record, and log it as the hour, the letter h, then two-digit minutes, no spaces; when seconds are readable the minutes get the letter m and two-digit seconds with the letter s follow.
11h45
